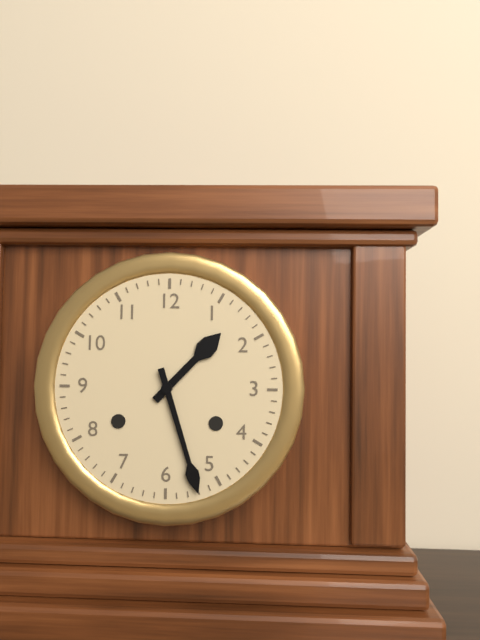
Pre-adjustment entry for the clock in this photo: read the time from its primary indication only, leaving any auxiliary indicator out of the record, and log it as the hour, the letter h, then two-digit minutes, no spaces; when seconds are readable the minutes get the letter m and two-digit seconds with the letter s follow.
1h27
